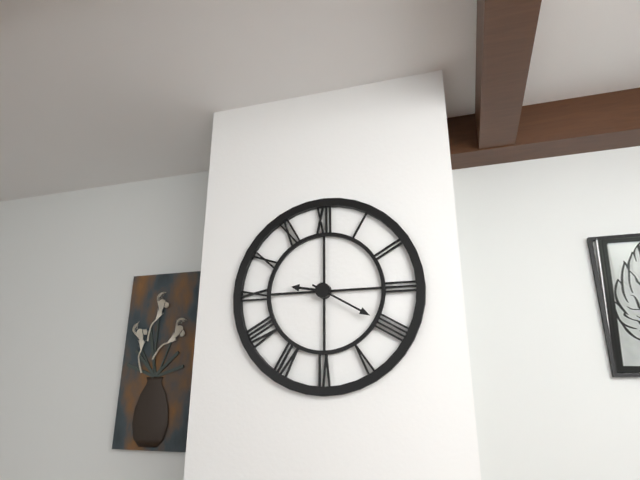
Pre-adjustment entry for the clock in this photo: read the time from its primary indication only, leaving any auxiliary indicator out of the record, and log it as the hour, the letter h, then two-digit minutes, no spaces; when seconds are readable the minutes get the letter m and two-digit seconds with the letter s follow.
9h20
